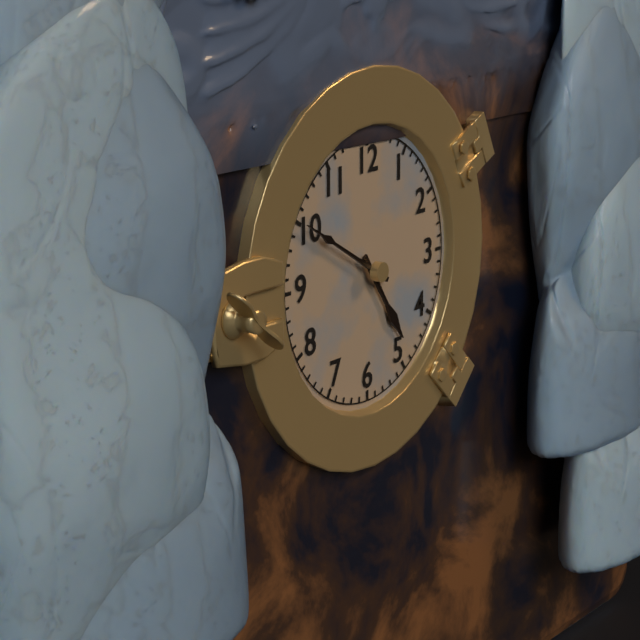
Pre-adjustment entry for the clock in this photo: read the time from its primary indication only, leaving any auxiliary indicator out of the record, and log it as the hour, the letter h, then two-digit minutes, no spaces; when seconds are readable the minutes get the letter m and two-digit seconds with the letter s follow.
4h50
